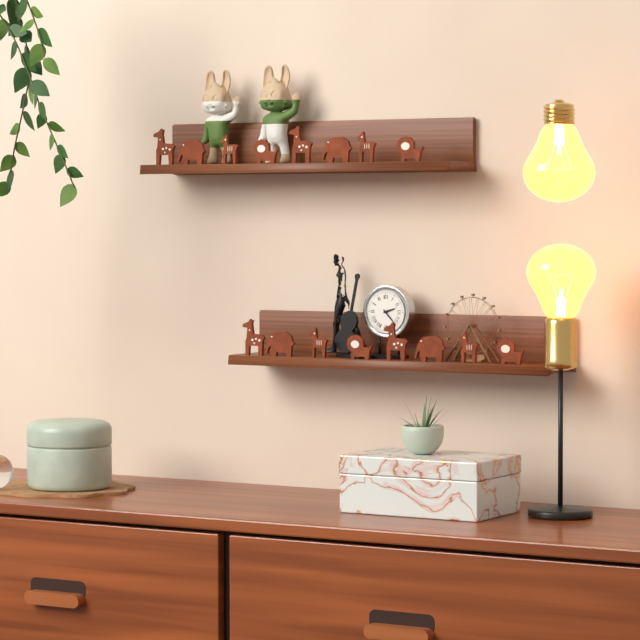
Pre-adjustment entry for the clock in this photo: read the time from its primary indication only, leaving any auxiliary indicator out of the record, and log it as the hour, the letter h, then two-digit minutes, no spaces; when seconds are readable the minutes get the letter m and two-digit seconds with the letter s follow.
2h23
